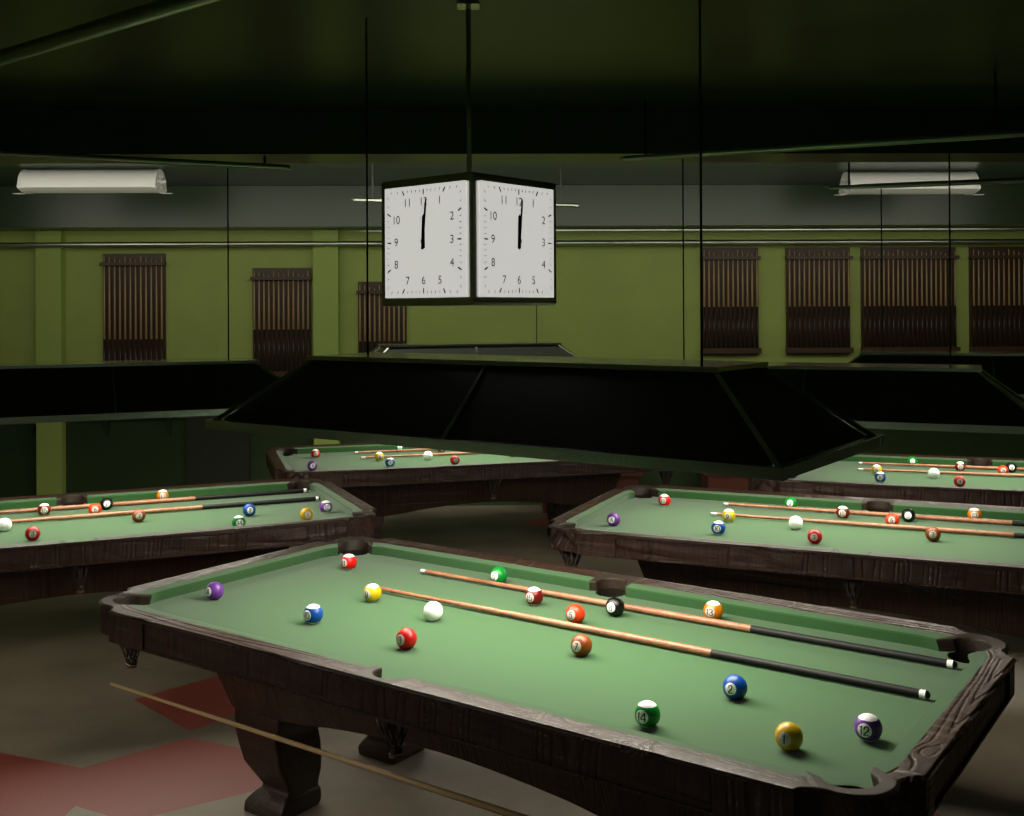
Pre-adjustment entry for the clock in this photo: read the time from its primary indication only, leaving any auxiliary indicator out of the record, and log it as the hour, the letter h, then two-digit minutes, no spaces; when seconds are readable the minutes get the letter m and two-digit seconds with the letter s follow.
12h01
